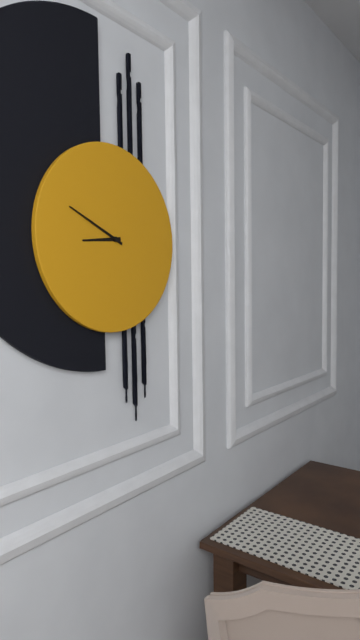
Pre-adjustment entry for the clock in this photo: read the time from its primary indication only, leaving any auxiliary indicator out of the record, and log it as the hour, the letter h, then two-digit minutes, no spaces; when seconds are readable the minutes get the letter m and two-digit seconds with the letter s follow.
8h49
